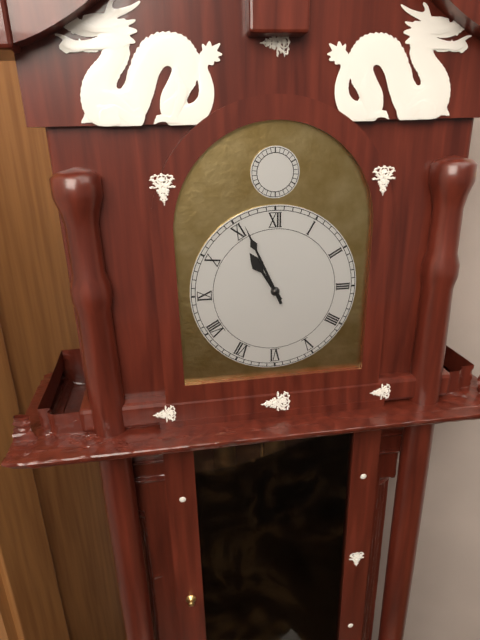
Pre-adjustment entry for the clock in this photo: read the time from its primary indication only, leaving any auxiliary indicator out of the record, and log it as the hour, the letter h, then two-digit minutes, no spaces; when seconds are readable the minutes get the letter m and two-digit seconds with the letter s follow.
10h56
